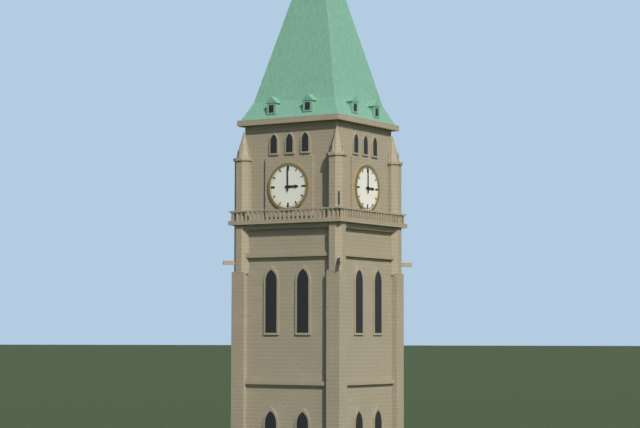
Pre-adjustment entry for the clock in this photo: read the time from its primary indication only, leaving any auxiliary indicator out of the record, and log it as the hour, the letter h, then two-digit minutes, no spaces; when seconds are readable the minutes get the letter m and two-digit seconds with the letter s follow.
3h00
